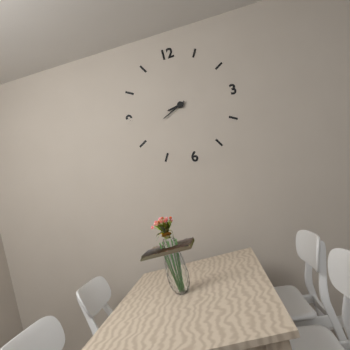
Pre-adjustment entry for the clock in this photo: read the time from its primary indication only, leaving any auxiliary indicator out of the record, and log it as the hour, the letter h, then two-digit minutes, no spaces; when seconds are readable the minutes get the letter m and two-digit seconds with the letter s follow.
8h41
